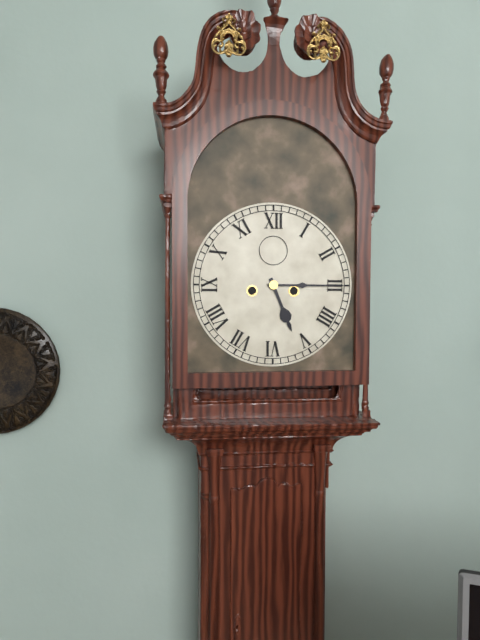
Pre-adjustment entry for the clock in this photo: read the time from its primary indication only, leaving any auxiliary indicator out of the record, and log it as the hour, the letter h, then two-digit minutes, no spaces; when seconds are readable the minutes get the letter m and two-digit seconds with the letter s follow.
5h15
